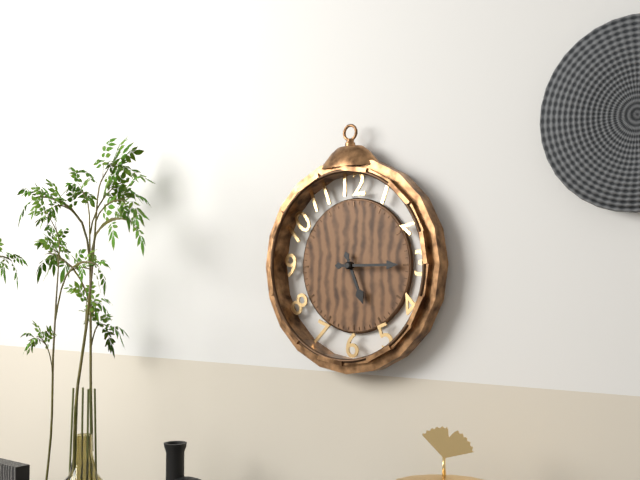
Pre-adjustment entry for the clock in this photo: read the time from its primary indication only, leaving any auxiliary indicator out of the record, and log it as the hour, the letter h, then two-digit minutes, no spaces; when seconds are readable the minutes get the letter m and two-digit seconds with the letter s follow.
5h15
